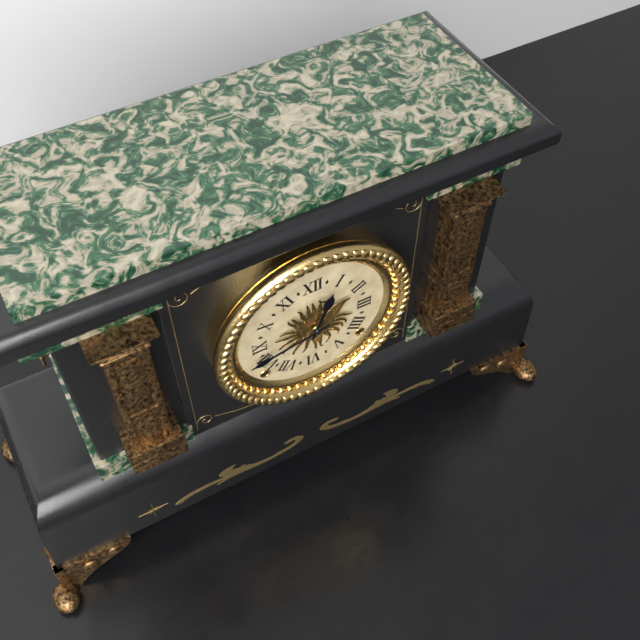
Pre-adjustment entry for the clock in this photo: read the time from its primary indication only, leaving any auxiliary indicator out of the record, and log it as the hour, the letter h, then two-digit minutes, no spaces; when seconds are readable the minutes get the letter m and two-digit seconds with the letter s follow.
12h43
